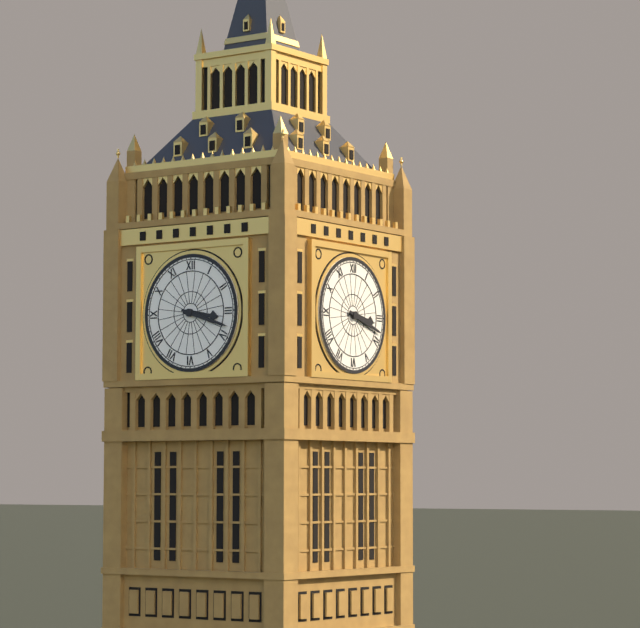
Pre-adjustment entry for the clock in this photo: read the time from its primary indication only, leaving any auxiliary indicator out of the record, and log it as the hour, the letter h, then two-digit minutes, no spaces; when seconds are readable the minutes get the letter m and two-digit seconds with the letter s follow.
3h18
